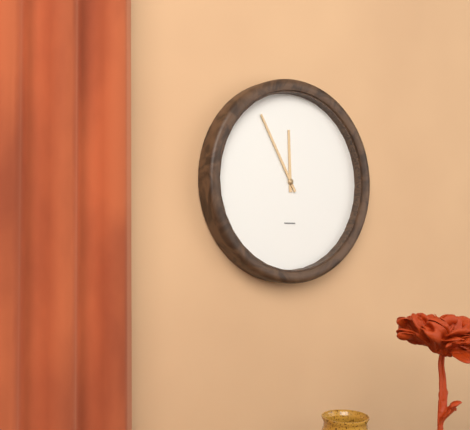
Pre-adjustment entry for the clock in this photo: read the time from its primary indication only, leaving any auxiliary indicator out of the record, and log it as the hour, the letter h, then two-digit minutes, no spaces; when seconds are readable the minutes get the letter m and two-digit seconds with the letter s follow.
11h55
